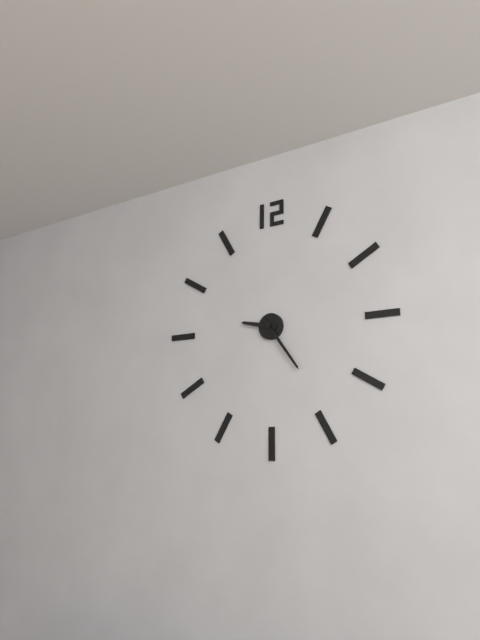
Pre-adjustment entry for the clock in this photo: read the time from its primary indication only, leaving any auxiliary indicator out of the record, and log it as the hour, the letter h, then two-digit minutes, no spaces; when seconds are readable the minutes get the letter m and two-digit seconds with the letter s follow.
9h24
